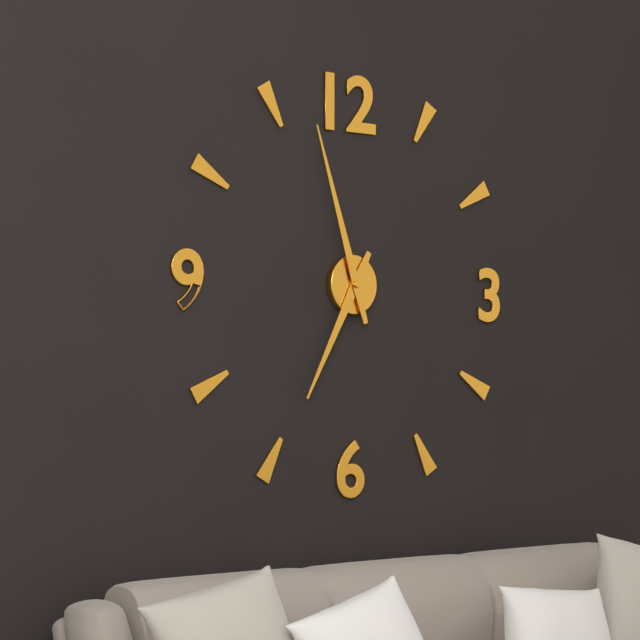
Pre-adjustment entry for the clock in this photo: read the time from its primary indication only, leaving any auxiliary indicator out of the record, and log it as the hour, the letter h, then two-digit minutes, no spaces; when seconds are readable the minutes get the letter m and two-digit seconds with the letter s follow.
6h57
